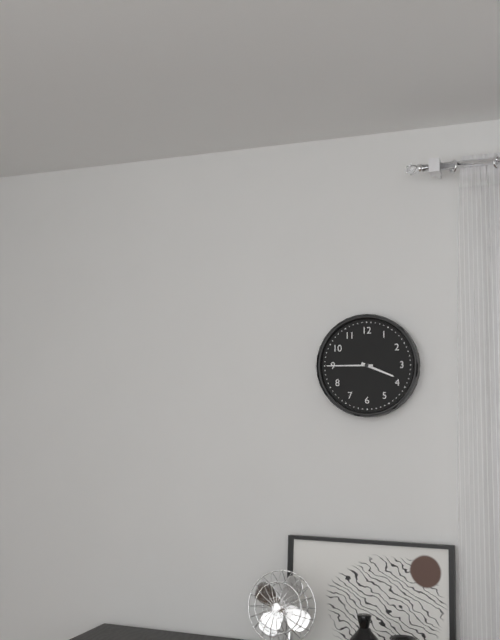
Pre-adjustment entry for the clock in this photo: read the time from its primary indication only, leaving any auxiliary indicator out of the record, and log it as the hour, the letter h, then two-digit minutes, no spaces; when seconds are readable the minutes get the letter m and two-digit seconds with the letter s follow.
3h45
